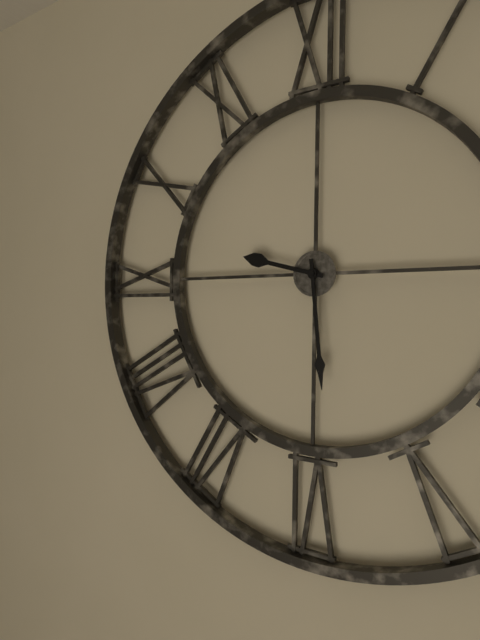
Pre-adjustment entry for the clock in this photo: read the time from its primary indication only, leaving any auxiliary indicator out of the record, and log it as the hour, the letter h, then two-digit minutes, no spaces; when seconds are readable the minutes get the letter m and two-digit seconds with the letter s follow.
9h29
